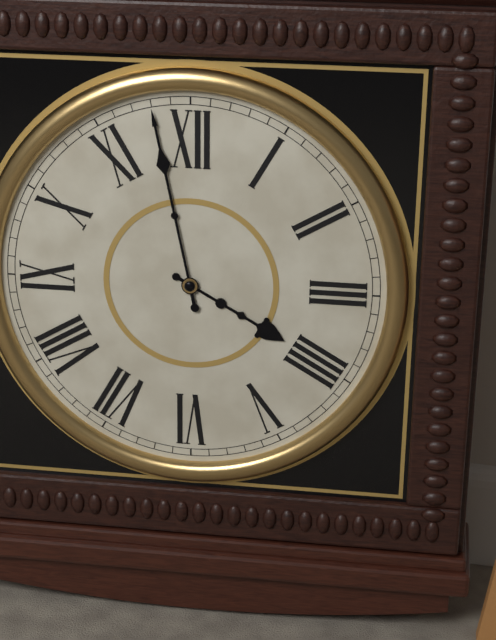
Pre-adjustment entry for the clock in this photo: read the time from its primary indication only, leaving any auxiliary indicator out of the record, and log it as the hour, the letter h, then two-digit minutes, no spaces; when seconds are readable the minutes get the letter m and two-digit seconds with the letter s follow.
3h58
